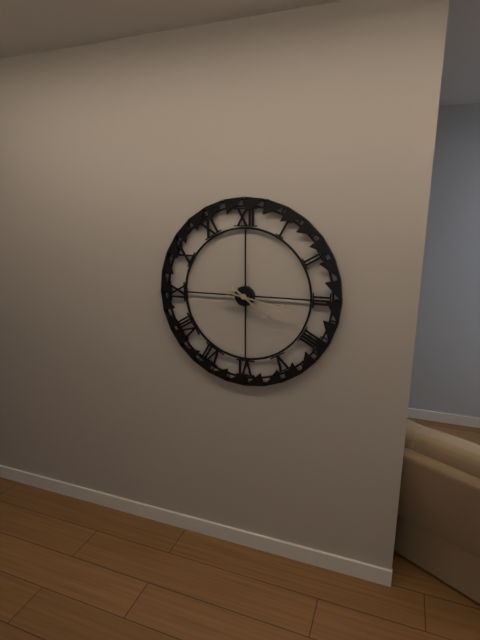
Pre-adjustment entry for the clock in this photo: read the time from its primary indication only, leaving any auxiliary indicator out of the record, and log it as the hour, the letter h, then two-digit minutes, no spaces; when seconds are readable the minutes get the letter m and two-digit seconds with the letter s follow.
4h17
